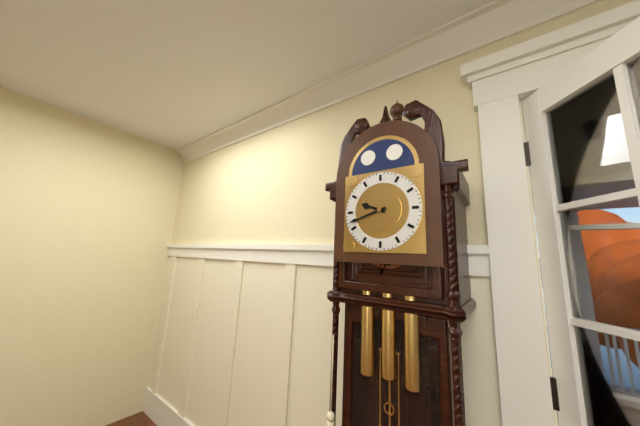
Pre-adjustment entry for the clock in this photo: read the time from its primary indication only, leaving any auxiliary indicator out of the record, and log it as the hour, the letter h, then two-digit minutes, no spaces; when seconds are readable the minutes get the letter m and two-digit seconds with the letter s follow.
9h42
